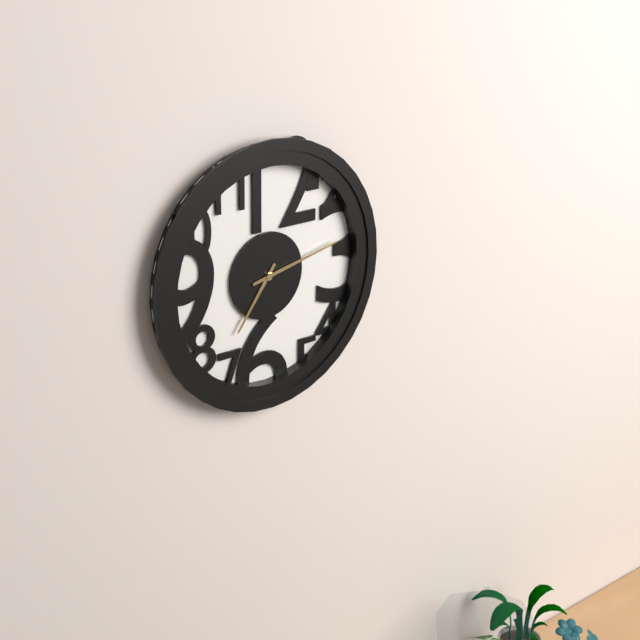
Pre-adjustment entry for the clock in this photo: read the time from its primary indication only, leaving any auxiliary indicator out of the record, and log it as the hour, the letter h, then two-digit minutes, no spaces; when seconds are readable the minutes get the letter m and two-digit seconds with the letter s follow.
7h13
